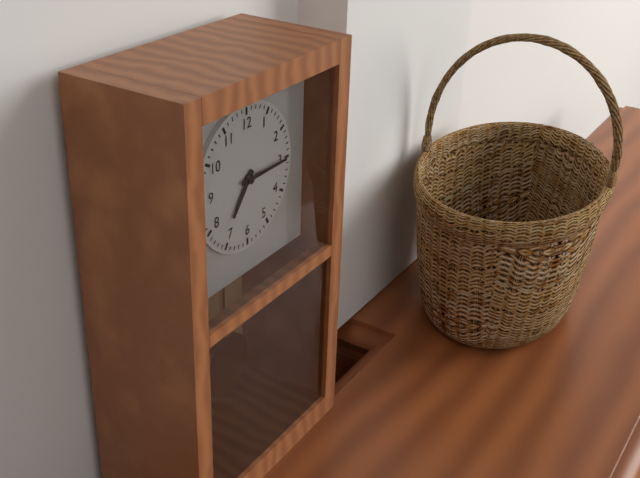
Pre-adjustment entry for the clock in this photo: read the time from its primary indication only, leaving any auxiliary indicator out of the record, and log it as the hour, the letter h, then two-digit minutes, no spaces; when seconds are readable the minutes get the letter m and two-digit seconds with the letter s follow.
7h15
